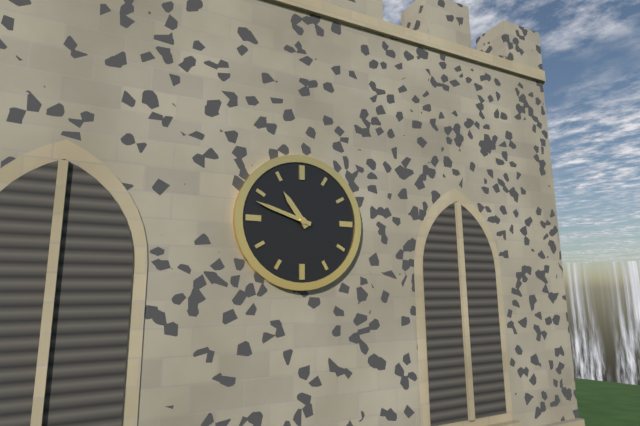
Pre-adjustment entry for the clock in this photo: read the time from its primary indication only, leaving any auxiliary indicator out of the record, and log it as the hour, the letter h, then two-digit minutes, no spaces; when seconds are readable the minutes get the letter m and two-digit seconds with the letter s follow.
10h48
